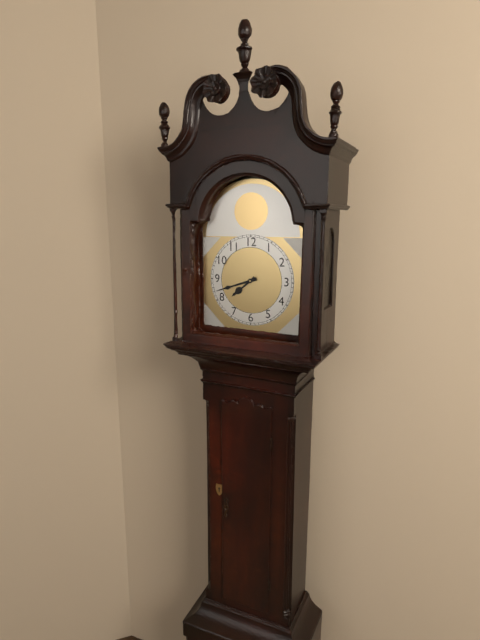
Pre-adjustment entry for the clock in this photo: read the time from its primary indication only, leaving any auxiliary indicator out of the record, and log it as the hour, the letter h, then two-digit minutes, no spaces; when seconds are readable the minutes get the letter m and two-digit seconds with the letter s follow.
7h42
